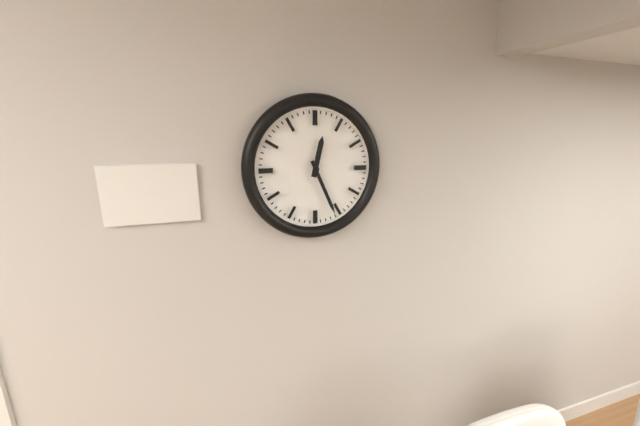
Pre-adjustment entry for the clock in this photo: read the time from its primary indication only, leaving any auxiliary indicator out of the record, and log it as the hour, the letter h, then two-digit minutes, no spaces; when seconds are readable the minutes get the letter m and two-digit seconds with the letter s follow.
12h26
